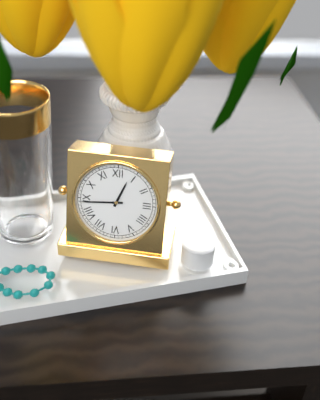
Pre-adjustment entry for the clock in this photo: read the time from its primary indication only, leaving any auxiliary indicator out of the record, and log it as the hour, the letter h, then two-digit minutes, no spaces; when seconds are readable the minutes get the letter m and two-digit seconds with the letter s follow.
12h44
